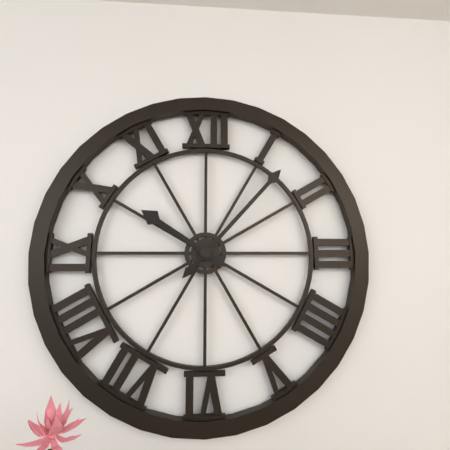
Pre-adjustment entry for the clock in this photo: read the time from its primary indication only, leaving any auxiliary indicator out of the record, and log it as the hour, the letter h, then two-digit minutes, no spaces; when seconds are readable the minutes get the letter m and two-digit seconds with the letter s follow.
10h07
